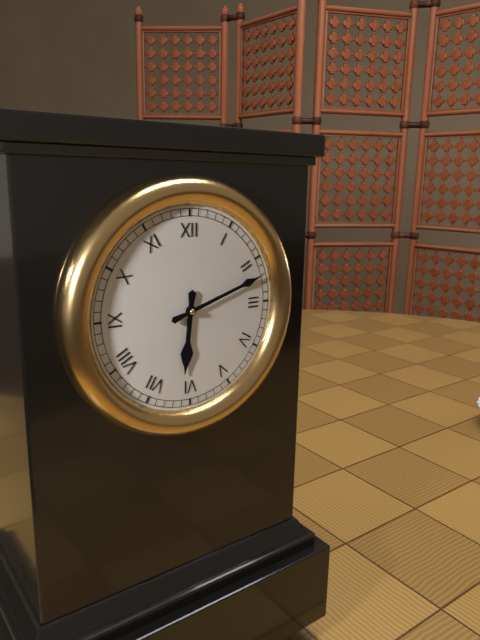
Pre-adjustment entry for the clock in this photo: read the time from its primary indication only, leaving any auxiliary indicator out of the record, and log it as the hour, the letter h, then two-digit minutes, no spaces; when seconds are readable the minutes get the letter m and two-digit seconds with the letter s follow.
6h12
